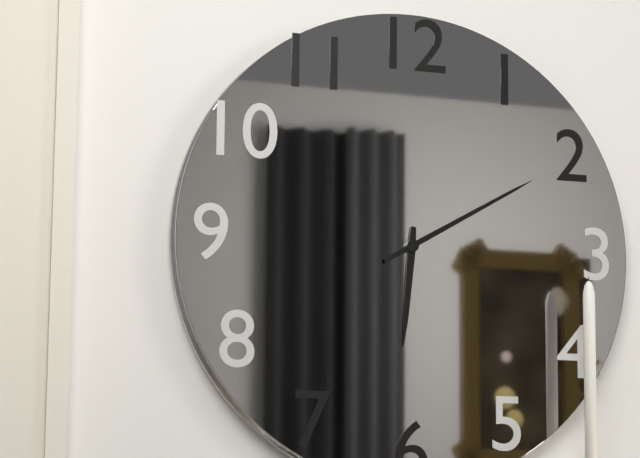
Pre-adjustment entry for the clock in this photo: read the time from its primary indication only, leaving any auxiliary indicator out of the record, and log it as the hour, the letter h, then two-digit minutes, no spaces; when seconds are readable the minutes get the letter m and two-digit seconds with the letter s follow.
6h10
